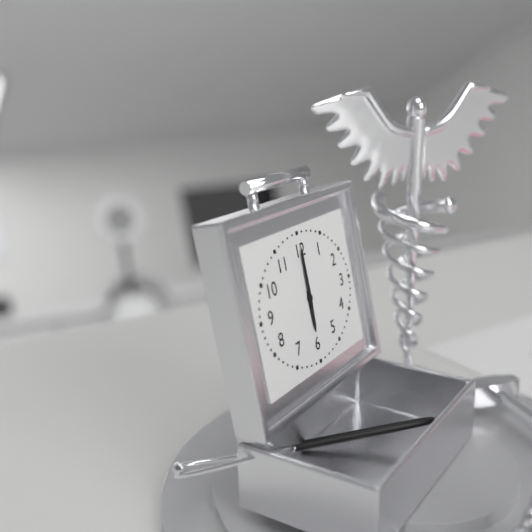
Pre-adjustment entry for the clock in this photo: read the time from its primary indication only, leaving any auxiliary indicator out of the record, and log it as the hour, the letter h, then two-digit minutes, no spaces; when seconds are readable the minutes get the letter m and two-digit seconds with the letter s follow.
6h00
